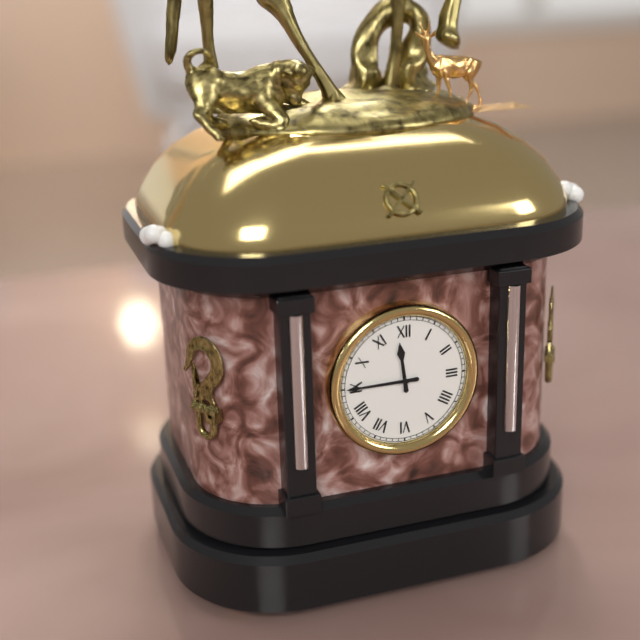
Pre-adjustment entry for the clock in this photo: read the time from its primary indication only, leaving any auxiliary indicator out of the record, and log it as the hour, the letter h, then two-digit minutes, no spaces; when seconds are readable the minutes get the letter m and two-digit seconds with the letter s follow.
11h45
